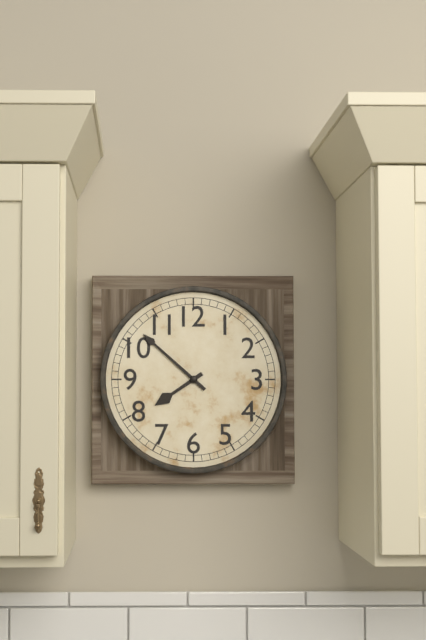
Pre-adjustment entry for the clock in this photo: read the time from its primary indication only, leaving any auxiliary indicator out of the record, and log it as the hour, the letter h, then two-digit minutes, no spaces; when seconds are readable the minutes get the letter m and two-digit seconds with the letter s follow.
7h52
